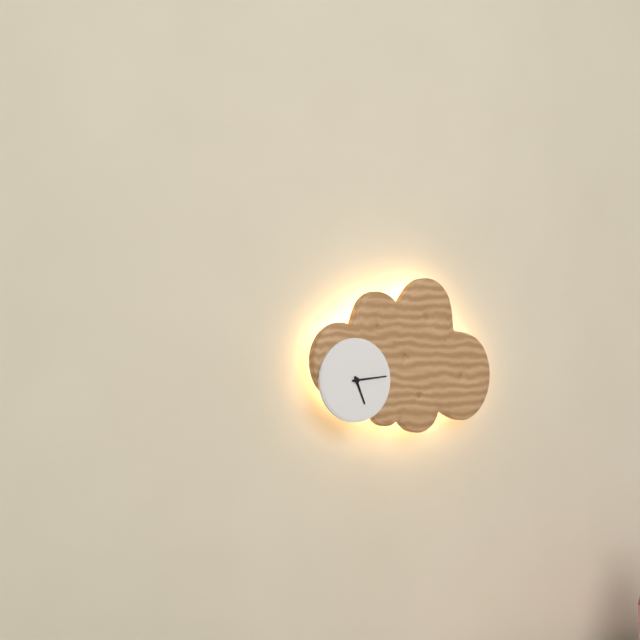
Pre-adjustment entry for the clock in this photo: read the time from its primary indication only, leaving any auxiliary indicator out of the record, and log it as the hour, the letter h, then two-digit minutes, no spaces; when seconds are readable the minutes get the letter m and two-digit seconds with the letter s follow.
5h14
